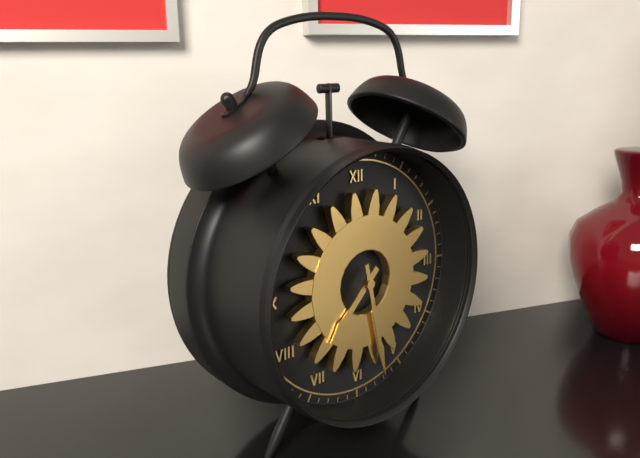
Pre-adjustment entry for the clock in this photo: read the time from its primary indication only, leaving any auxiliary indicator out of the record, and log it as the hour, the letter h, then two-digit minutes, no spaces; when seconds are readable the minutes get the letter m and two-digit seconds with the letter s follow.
7h28
